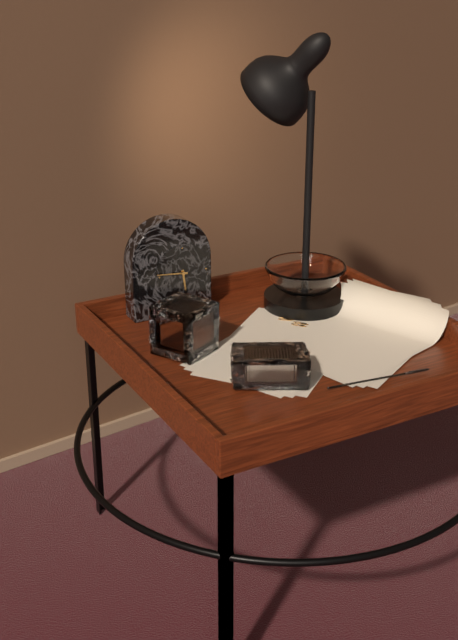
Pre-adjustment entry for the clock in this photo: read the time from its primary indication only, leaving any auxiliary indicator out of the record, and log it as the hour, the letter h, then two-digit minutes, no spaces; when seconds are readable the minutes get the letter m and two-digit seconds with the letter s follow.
5h46
